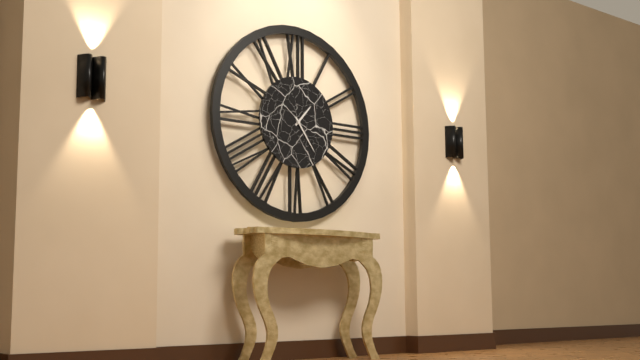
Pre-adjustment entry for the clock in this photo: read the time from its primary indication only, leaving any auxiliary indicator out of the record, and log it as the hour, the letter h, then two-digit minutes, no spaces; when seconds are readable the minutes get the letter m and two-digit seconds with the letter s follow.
1h24
